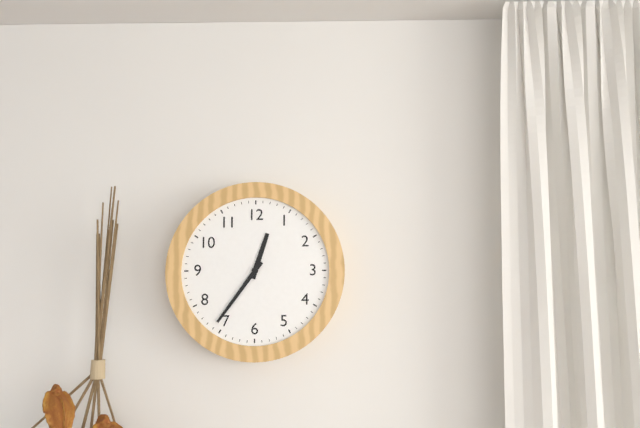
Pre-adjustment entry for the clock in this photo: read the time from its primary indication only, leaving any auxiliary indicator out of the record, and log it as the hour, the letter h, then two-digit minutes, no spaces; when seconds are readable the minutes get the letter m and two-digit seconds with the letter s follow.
12h36
